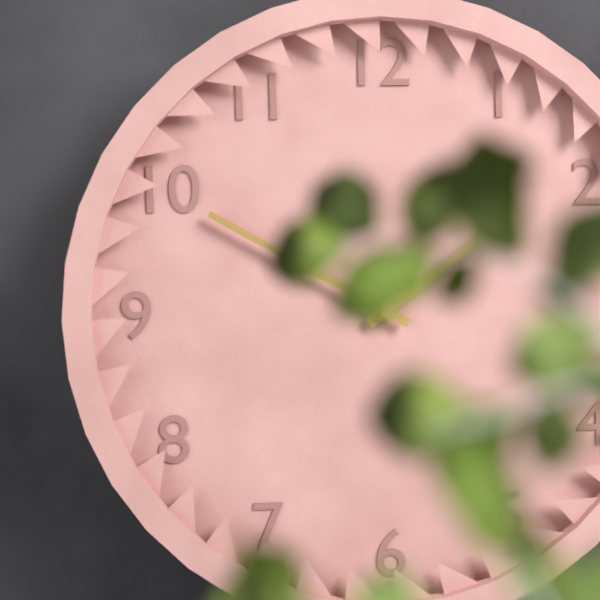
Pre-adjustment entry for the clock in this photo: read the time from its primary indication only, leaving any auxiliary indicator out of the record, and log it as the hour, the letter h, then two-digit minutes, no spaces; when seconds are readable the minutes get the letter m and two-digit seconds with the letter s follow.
1h50
